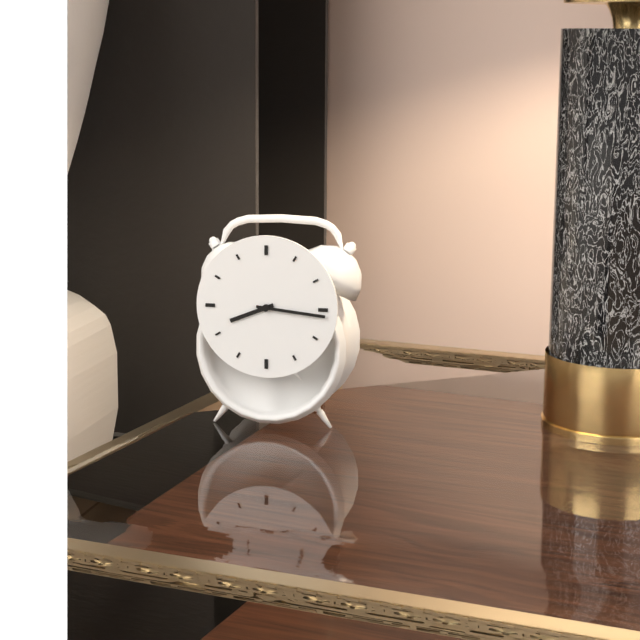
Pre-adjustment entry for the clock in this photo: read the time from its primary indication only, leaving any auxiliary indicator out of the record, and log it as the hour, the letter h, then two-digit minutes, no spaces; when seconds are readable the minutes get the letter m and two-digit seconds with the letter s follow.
8h16
